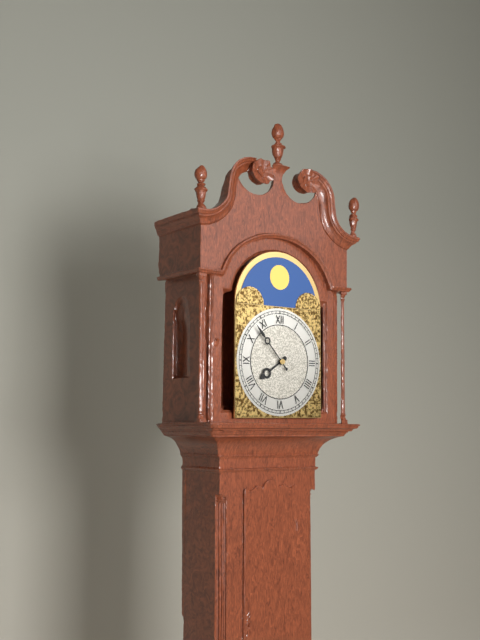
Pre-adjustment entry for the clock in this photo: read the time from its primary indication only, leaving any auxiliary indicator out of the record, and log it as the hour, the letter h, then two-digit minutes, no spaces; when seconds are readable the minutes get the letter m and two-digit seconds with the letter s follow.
7h53
